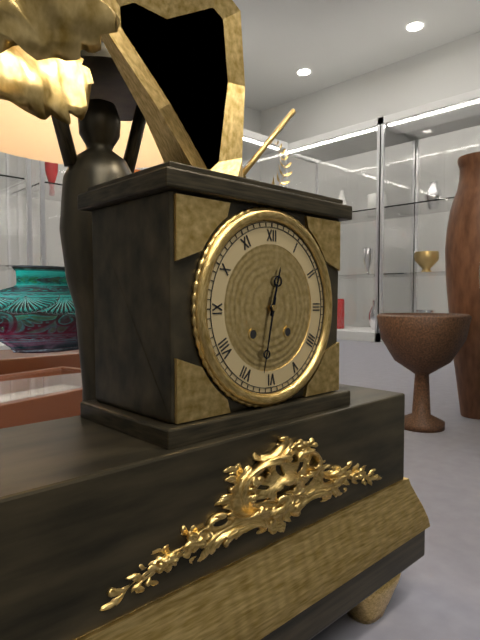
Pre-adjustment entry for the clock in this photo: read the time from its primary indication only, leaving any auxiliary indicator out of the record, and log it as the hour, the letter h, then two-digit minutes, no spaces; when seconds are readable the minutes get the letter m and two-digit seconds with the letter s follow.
12h32
